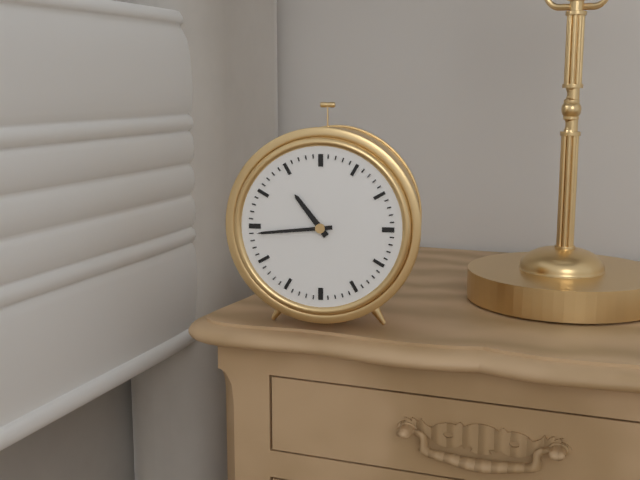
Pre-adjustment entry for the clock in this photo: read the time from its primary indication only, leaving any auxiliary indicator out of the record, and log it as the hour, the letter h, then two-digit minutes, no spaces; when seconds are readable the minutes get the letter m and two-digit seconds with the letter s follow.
10h44
